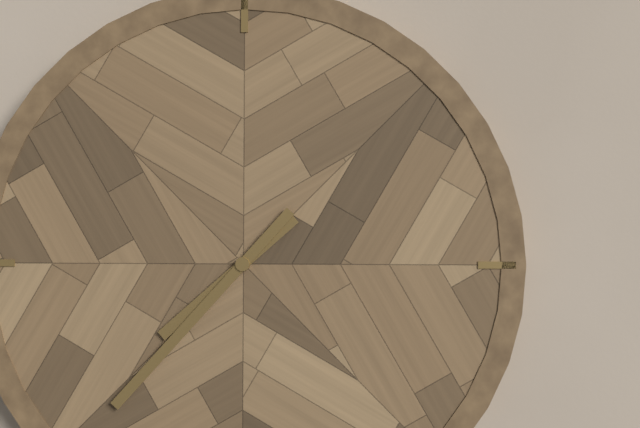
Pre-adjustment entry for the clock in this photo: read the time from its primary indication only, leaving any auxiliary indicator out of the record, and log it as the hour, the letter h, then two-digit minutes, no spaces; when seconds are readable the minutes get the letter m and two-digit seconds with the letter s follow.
7h37
